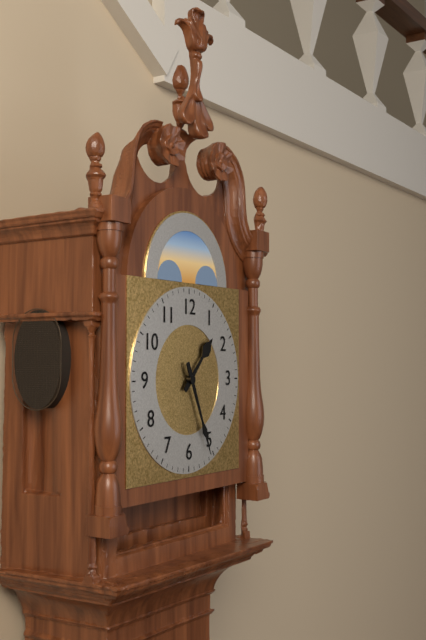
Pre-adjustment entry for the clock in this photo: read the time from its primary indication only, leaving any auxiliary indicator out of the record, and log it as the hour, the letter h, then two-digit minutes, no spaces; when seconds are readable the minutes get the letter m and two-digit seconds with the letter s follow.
1h26
